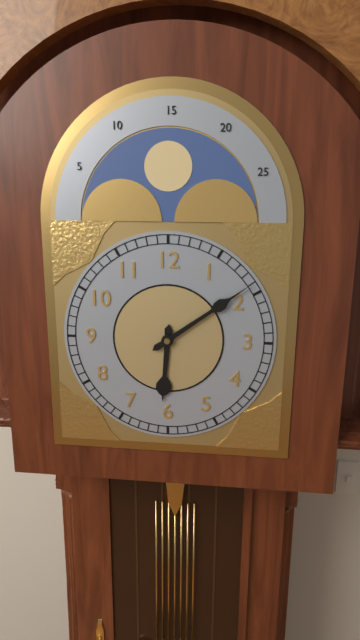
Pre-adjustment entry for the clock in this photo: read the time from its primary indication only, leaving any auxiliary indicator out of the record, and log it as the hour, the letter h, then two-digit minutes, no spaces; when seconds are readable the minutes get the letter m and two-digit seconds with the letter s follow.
6h09
